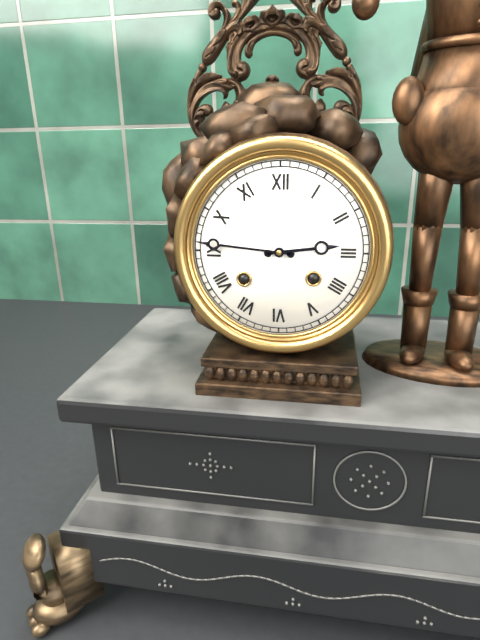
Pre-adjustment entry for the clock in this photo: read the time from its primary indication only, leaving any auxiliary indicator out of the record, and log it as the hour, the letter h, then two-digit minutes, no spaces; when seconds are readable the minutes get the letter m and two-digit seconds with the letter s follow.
2h46
